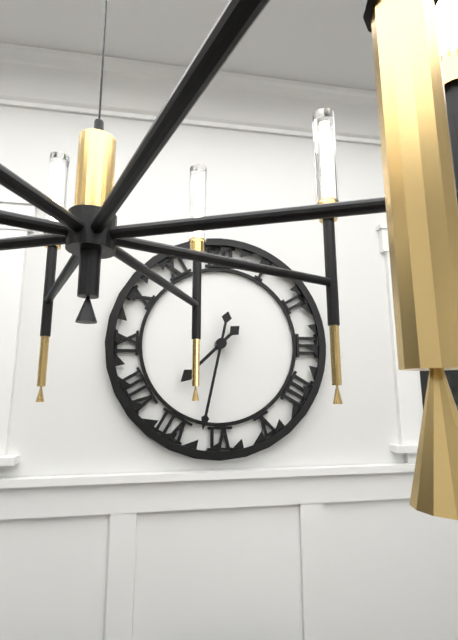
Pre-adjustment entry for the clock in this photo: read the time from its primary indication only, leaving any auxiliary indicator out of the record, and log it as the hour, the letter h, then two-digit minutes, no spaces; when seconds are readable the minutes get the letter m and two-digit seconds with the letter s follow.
7h32
